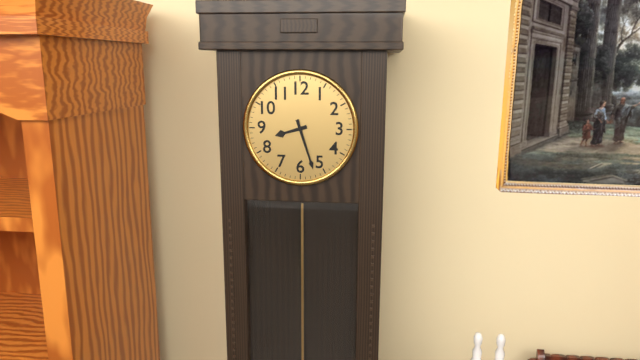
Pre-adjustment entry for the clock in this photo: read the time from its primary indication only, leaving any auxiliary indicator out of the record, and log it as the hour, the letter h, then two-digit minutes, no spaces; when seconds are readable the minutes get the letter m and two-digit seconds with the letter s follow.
8h27
